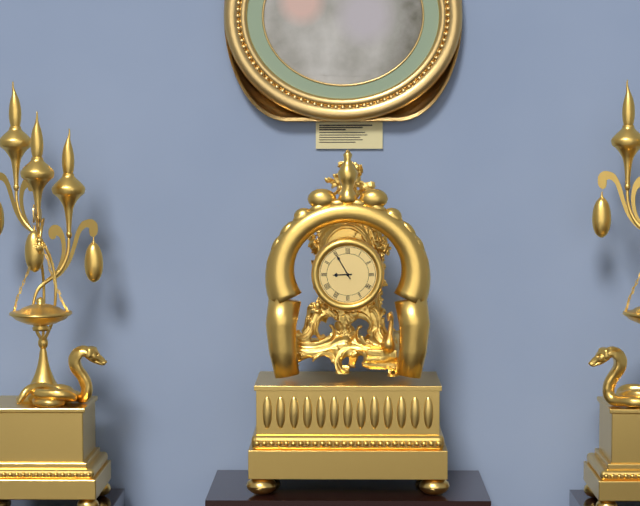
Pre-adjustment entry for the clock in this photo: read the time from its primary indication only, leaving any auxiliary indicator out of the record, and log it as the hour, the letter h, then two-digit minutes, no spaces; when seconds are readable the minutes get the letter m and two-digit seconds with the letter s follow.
8h55
